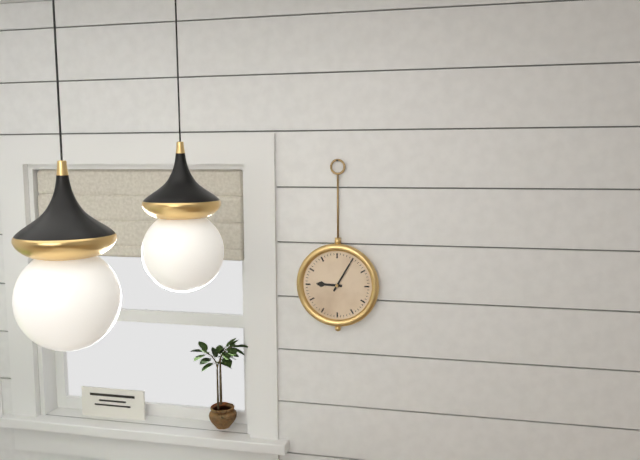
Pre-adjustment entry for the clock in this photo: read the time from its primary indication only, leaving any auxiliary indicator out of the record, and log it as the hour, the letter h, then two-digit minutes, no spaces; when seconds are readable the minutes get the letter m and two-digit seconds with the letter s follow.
9h05
